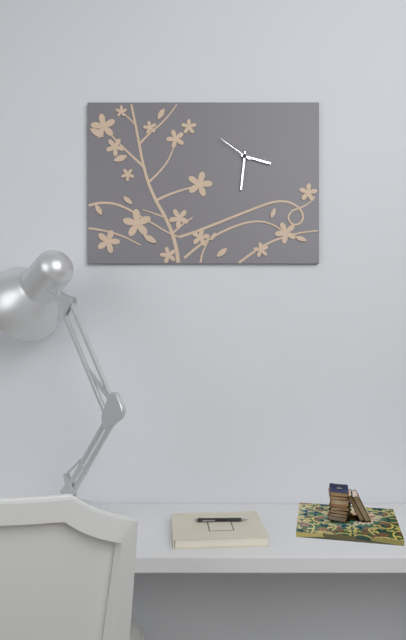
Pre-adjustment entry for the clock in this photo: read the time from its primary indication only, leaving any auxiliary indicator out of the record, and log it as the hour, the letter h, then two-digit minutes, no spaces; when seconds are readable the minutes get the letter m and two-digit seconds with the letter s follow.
3h31
